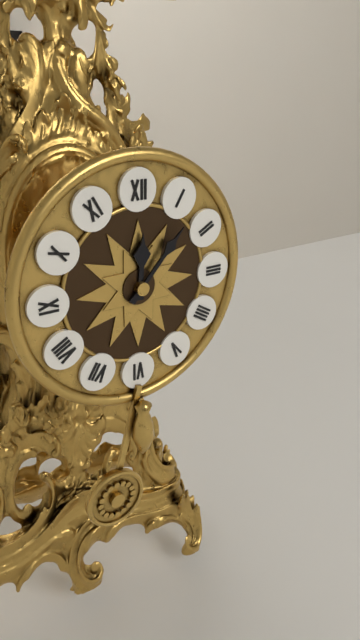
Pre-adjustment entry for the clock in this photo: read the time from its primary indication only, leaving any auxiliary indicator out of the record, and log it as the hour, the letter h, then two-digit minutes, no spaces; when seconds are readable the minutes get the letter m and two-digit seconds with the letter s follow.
12h07
